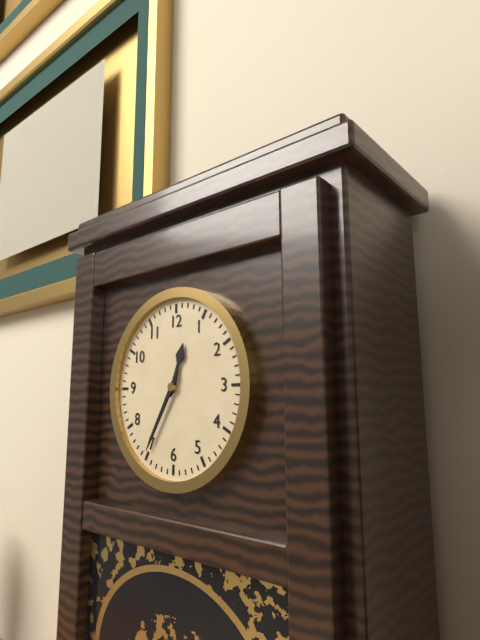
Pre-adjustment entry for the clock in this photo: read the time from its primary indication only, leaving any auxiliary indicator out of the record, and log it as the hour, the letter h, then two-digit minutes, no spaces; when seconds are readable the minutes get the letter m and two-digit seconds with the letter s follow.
12h35
